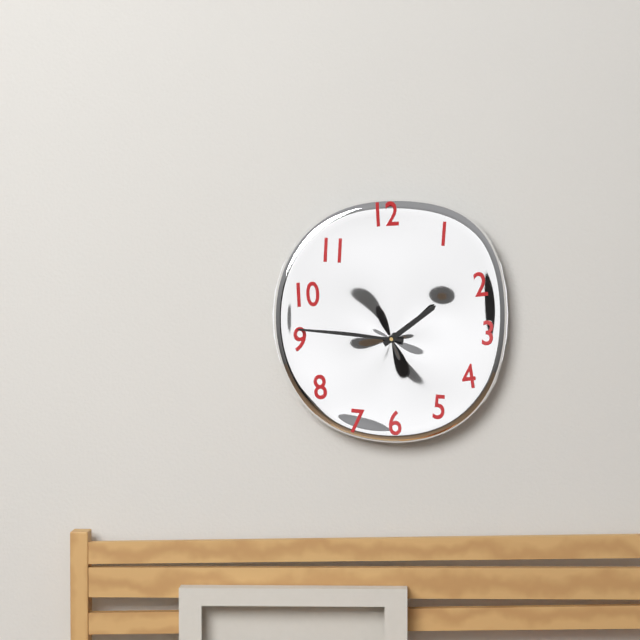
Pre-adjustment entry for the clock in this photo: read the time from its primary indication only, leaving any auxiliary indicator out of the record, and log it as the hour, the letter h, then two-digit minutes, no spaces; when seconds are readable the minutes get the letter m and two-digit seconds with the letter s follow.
1h46
